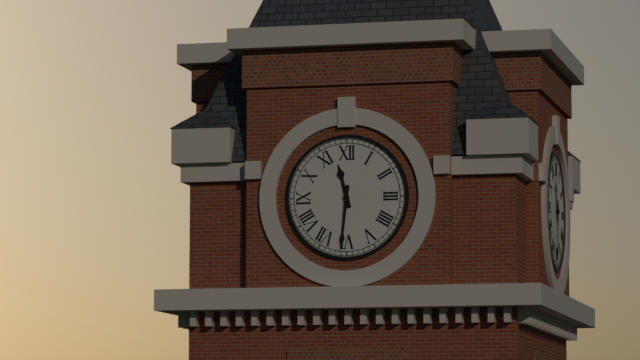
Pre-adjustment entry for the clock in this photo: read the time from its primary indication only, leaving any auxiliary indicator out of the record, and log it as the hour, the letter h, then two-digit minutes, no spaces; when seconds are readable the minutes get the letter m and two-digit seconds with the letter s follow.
11h31
